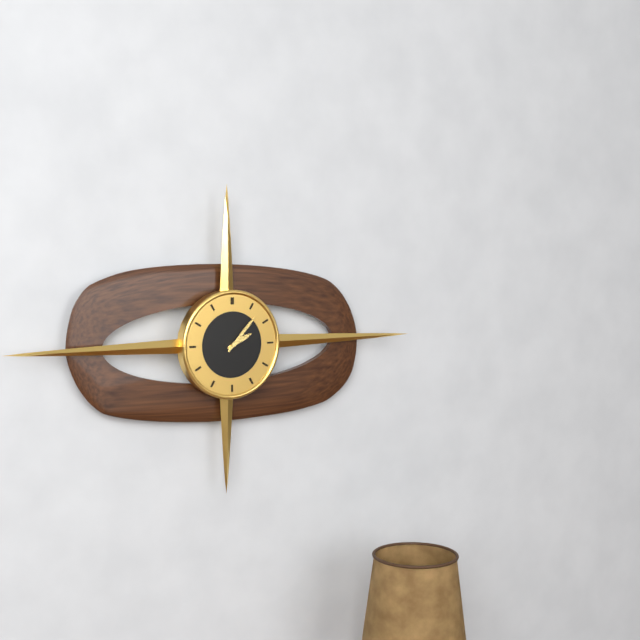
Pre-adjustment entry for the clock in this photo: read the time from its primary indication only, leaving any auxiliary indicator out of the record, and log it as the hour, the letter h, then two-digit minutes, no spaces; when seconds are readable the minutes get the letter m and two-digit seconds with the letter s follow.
2h07
